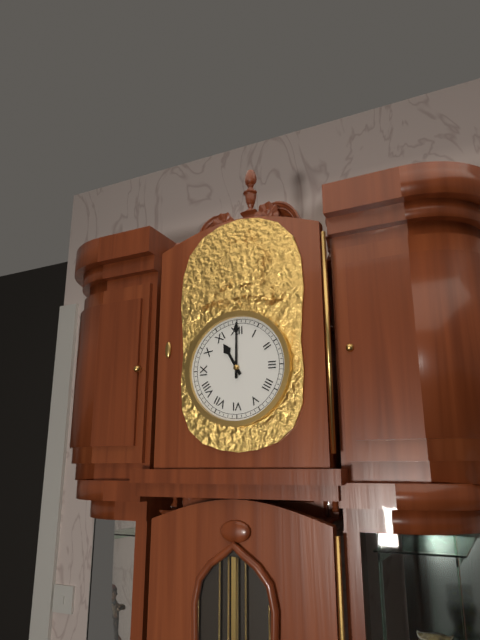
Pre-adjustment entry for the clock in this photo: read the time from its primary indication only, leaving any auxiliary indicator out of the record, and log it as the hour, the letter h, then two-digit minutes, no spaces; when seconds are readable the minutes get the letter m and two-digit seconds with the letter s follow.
11h00
